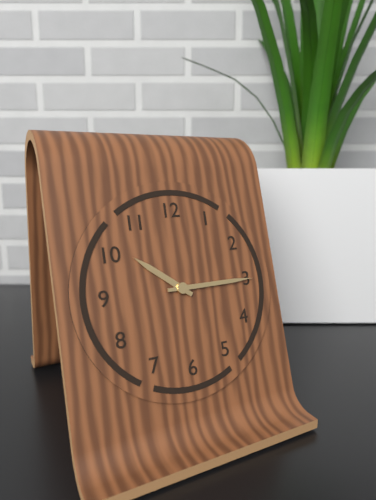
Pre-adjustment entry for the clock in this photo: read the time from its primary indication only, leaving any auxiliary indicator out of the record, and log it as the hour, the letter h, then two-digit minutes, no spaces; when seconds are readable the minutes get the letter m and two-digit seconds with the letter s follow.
10h15
